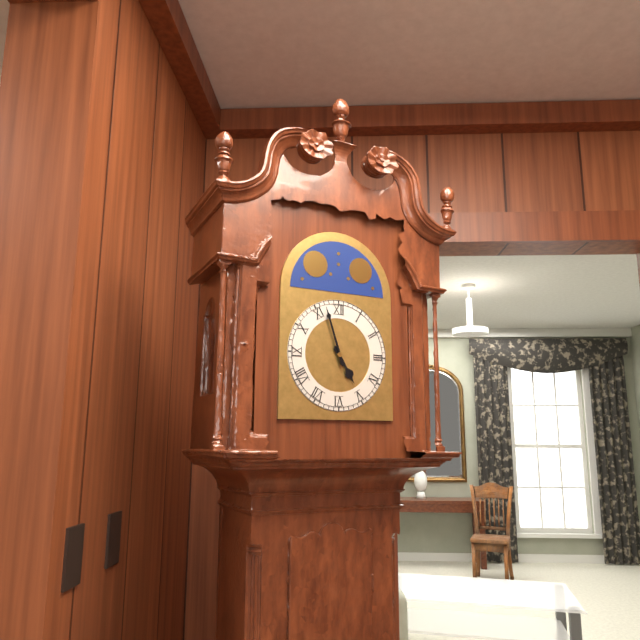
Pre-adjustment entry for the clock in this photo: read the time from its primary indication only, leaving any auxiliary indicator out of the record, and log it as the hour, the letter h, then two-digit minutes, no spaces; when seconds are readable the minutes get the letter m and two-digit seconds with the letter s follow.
4h57
